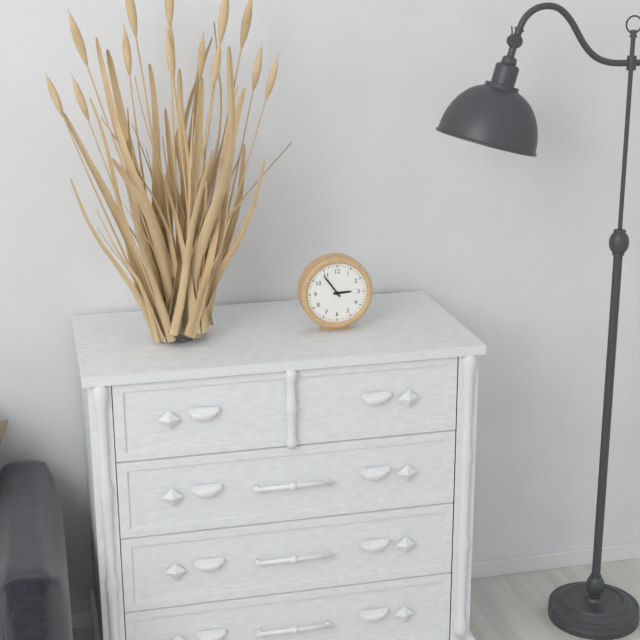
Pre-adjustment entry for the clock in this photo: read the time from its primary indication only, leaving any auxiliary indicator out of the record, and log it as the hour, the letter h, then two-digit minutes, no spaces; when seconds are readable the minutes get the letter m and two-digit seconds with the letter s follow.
2h54
